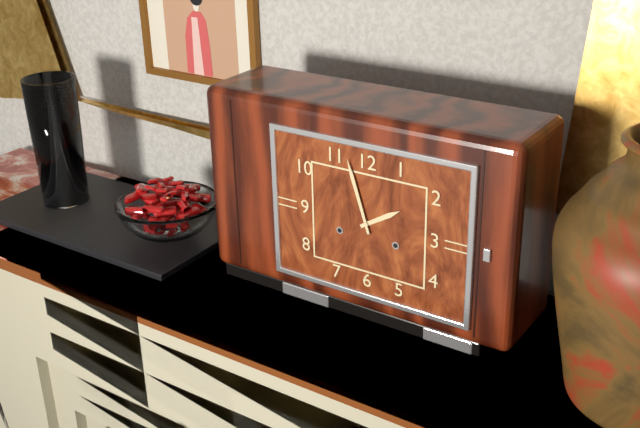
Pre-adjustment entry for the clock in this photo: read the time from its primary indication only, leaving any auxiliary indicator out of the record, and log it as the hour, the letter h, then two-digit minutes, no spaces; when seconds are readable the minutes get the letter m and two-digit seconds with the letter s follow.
1h57
